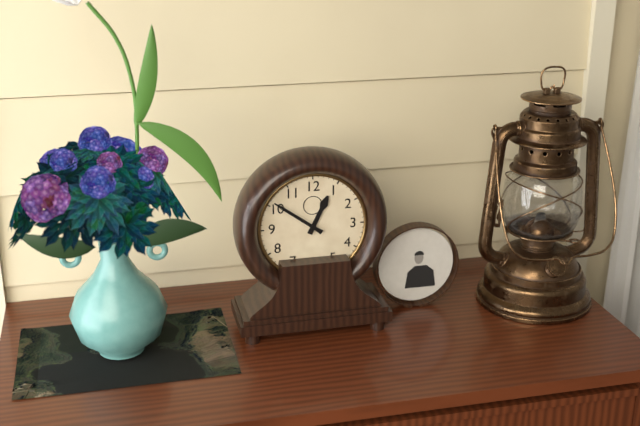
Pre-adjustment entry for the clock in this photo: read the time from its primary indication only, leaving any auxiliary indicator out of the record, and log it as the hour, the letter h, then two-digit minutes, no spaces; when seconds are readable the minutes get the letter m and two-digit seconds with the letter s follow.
12h51
